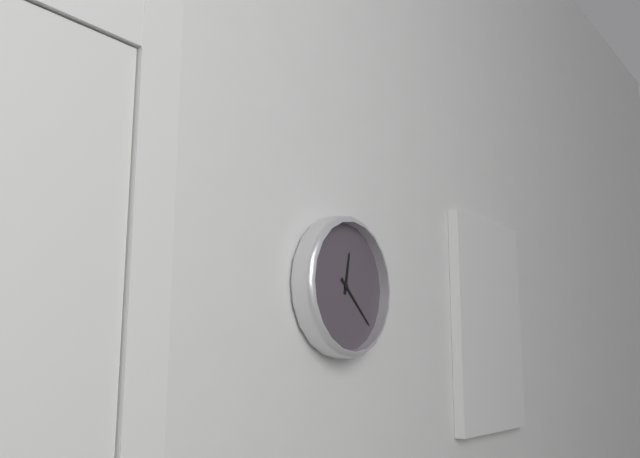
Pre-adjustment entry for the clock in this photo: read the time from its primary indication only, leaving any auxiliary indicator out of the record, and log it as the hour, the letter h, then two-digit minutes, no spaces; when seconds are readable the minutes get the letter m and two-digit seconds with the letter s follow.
12h22
